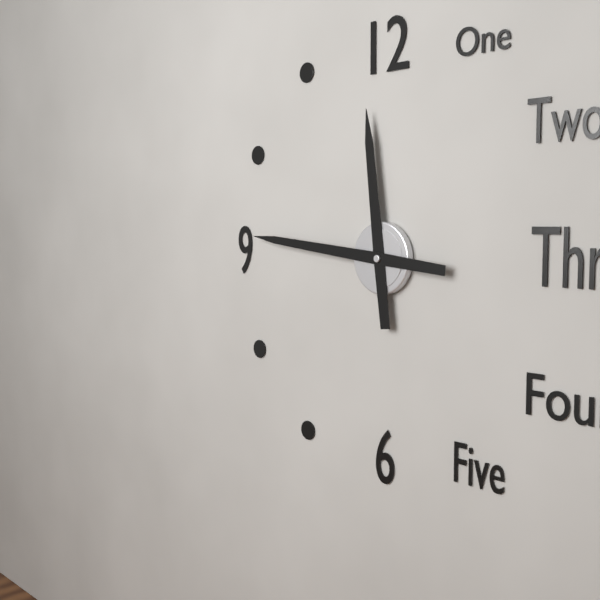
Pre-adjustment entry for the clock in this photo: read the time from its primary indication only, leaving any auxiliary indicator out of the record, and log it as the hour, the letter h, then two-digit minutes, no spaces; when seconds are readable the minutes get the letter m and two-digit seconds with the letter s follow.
11h46
